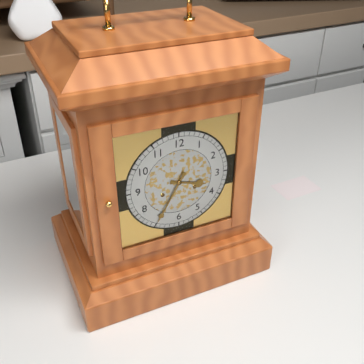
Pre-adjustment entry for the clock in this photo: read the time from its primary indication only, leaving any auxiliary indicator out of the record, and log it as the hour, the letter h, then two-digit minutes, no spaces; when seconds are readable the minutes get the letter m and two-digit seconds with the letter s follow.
3h35
